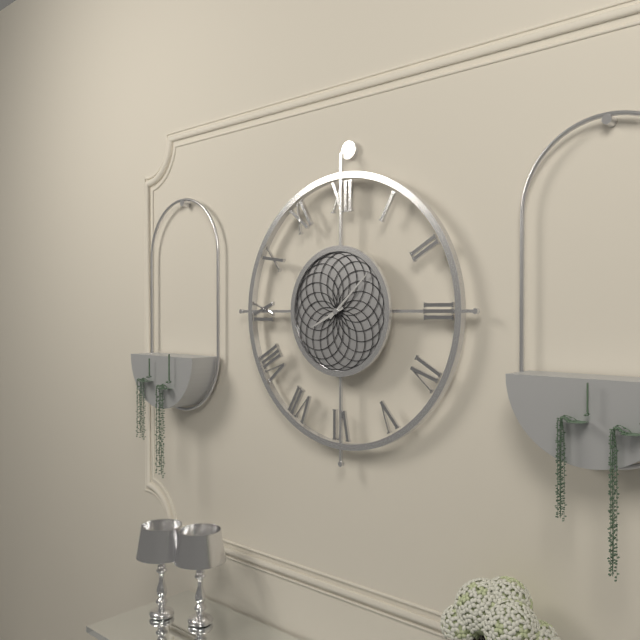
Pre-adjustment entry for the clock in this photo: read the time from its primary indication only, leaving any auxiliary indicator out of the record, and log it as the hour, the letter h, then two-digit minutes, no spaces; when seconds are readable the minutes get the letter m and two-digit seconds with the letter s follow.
8h08
